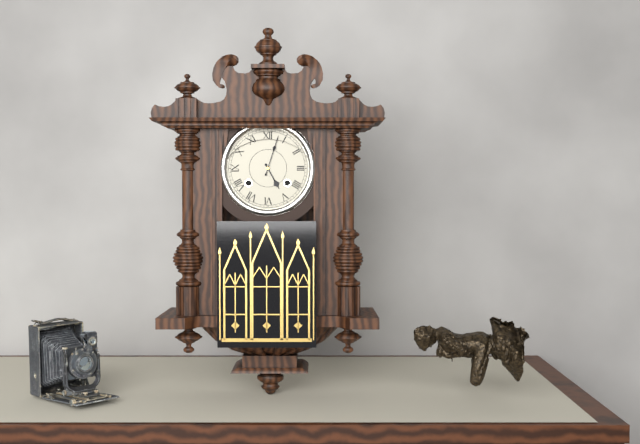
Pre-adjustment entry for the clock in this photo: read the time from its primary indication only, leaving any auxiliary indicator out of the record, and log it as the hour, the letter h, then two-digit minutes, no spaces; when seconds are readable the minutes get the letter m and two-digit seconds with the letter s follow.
5h03
